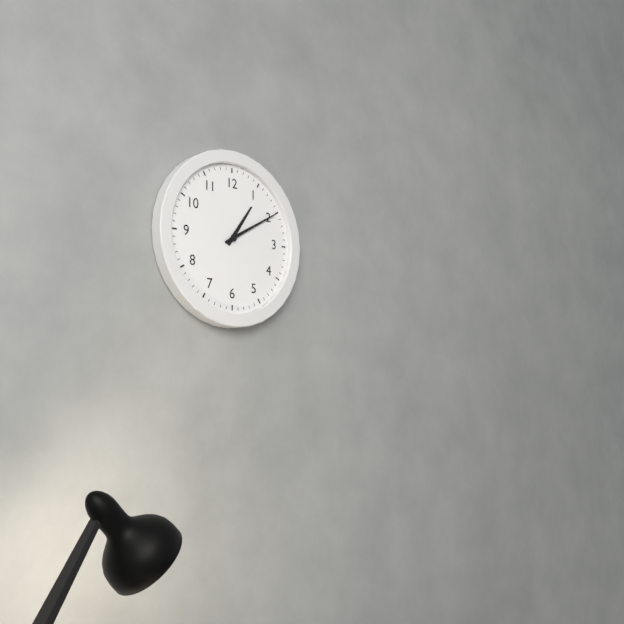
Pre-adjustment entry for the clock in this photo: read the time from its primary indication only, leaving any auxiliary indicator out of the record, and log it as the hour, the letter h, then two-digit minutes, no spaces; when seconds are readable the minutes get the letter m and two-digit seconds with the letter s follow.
1h10
